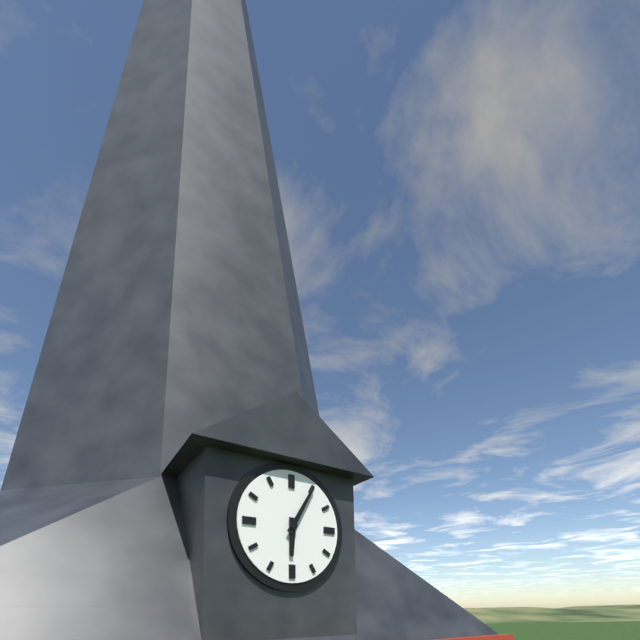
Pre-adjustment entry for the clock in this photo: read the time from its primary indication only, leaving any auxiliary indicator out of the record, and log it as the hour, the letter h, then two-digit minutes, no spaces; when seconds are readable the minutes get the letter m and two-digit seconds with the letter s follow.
6h05
